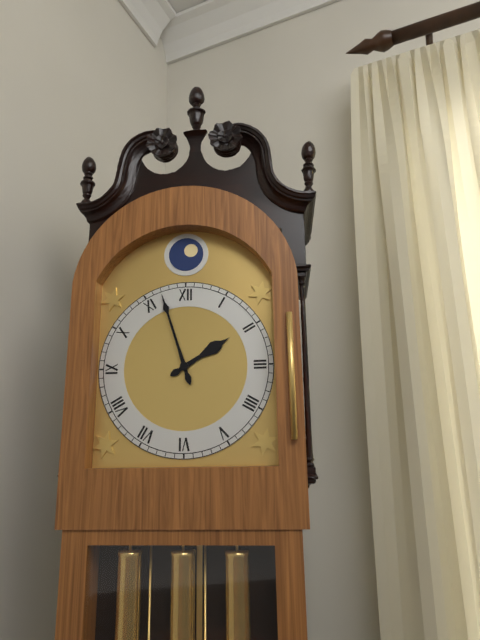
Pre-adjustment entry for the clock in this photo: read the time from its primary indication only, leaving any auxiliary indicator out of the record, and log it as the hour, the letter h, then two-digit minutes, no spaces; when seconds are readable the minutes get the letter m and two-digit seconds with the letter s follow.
1h57
